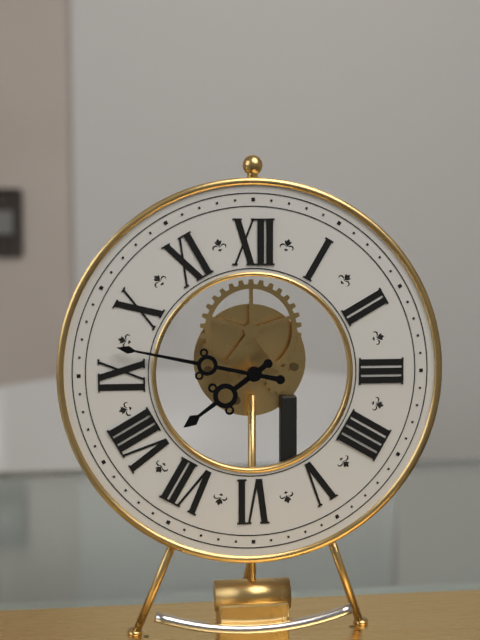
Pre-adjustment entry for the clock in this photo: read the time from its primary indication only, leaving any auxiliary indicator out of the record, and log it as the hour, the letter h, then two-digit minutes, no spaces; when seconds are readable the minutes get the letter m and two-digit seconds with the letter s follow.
7h47
